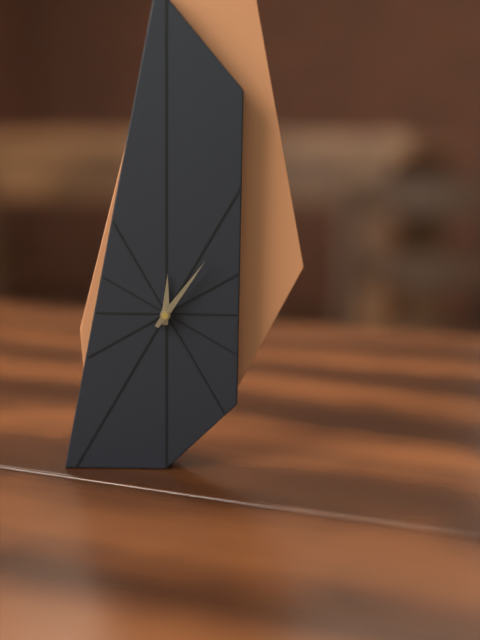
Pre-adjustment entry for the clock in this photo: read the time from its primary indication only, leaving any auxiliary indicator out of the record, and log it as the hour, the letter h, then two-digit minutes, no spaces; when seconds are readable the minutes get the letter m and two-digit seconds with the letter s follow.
12h06
